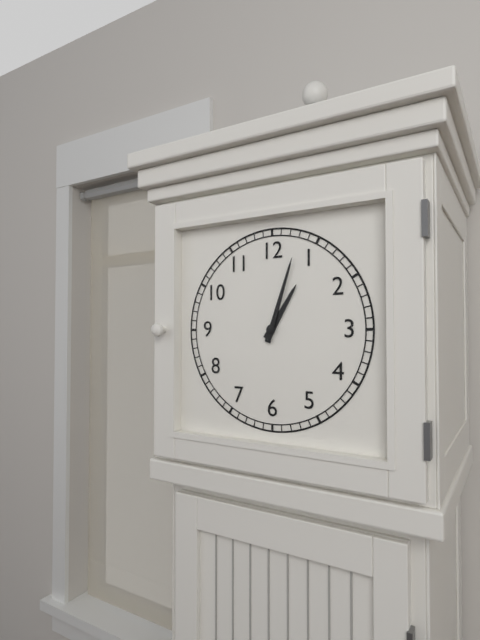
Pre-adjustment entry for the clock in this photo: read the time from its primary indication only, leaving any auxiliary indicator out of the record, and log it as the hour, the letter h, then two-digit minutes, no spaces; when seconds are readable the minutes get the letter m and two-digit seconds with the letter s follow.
1h03
